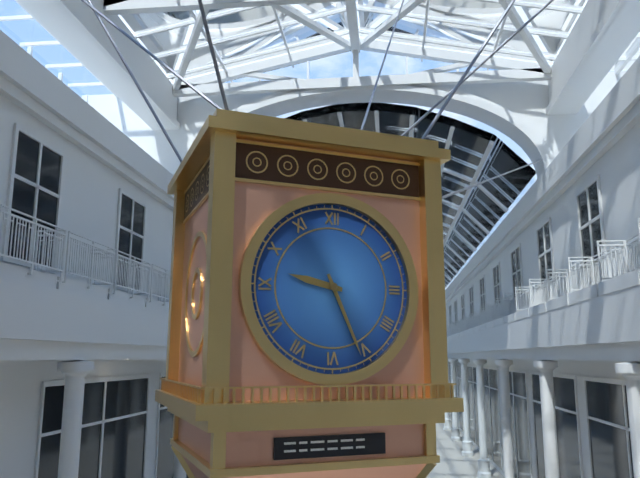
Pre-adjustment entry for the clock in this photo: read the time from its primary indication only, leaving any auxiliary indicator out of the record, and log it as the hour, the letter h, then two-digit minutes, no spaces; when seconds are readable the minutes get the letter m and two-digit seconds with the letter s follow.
9h26
